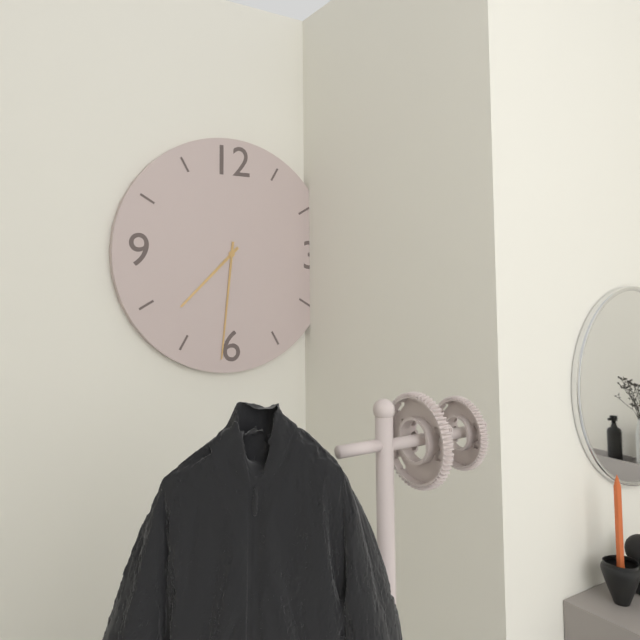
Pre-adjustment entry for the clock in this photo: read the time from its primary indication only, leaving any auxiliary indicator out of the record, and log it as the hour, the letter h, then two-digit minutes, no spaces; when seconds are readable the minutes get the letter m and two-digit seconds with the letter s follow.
7h31
